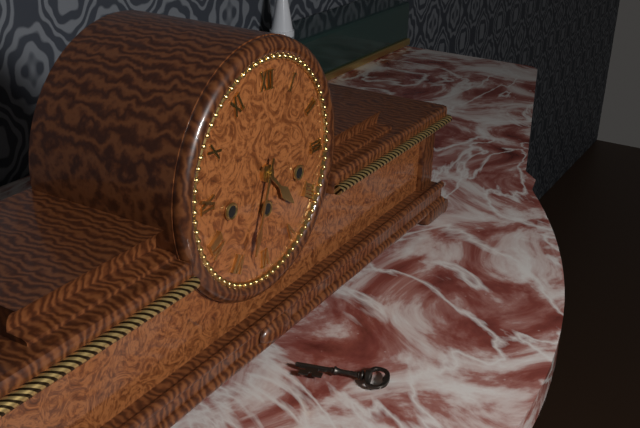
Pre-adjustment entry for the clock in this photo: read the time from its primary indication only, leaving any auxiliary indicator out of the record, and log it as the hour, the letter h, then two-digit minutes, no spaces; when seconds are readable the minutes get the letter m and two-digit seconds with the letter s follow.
4h33
